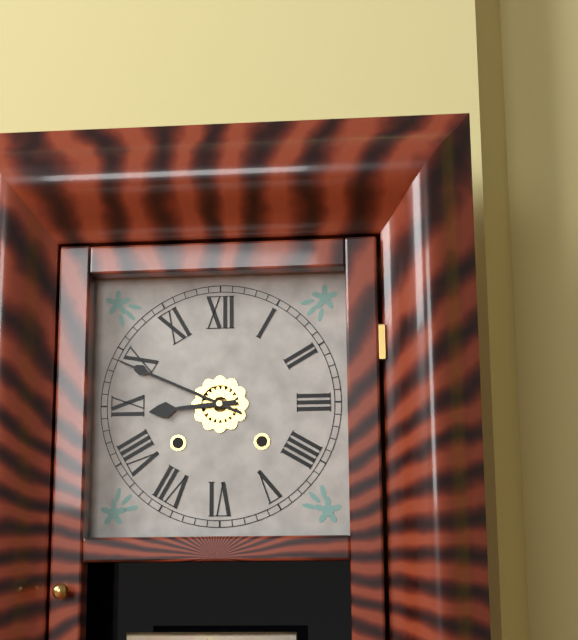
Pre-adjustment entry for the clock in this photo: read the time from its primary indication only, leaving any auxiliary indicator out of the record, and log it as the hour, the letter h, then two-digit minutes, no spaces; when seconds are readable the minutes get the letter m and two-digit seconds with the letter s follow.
8h49
